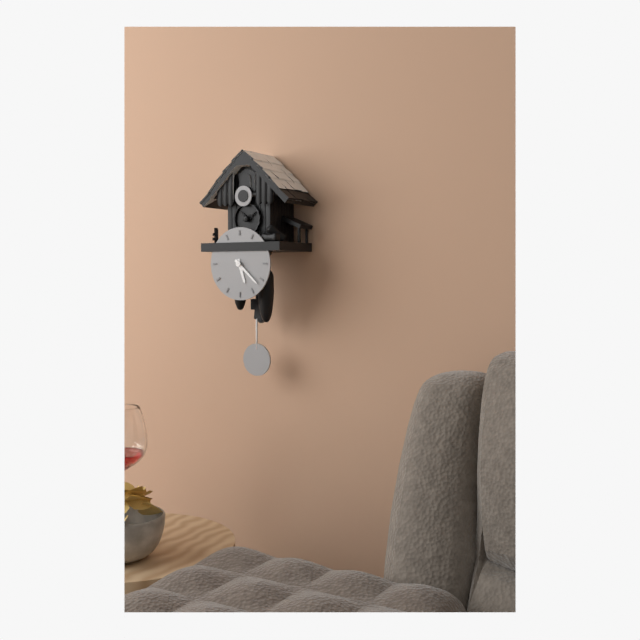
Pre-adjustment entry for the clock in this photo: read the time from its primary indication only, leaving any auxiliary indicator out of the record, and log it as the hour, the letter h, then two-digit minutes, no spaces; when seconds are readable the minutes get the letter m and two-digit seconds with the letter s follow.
5h22
